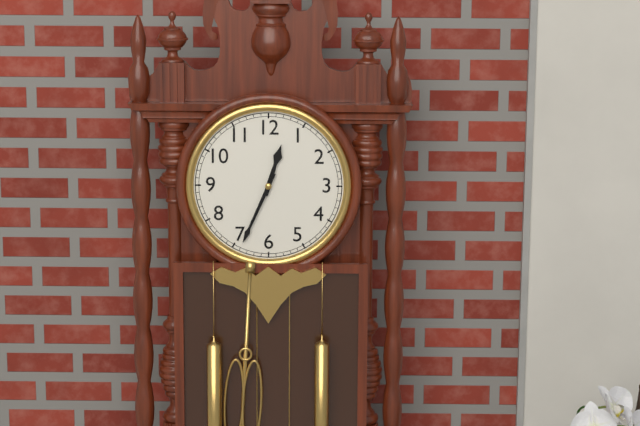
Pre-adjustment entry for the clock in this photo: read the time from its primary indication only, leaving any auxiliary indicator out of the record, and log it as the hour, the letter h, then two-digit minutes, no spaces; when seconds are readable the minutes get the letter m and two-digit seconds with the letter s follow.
12h34
